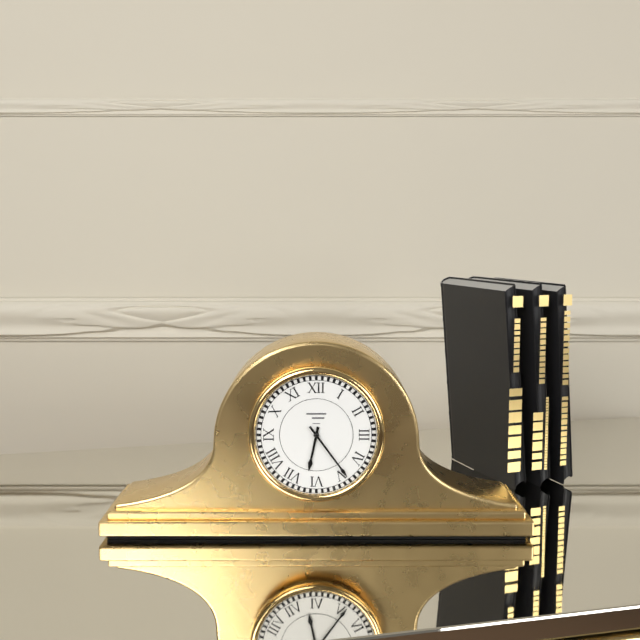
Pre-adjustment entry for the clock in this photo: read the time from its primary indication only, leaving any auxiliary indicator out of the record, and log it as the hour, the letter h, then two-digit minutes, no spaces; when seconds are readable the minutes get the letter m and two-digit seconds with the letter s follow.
6h24
